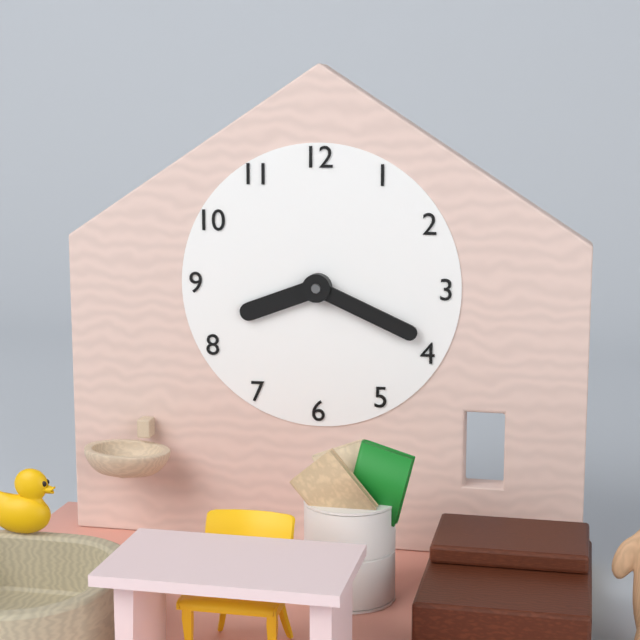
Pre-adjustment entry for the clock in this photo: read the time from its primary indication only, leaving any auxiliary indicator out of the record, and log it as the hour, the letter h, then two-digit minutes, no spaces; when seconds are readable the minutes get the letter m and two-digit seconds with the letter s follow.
8h19
